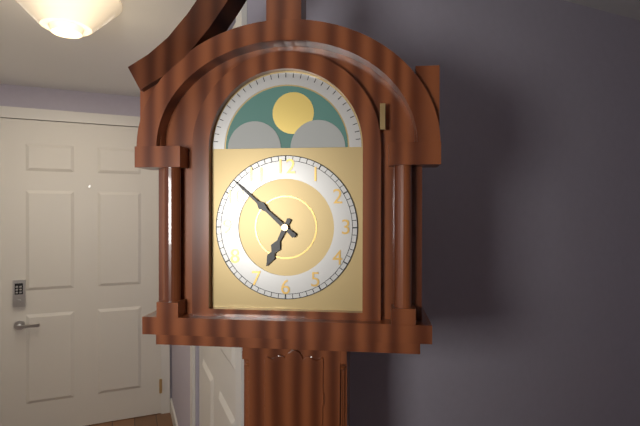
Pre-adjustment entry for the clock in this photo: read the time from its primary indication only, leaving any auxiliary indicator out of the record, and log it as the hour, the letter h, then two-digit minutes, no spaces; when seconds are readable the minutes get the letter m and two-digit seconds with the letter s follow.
6h52
